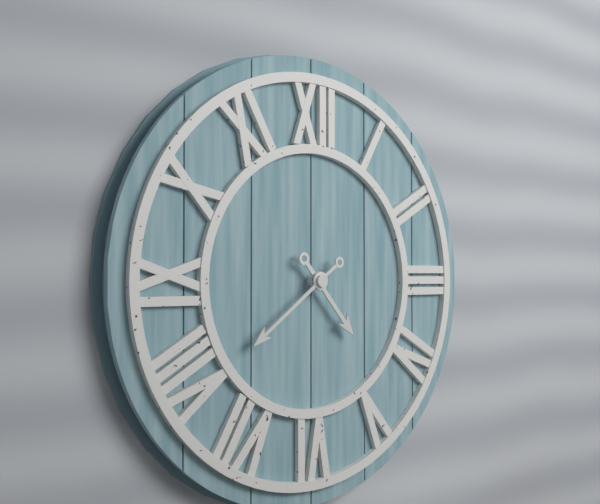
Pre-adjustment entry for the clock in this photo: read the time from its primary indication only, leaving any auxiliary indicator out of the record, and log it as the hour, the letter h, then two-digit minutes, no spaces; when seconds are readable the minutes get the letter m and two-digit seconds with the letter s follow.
4h39
